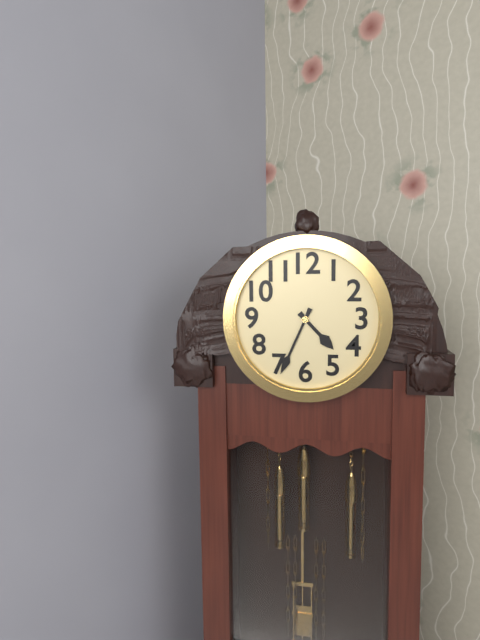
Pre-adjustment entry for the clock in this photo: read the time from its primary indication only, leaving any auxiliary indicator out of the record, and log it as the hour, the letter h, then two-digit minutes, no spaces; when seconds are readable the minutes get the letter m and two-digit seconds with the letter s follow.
4h34
